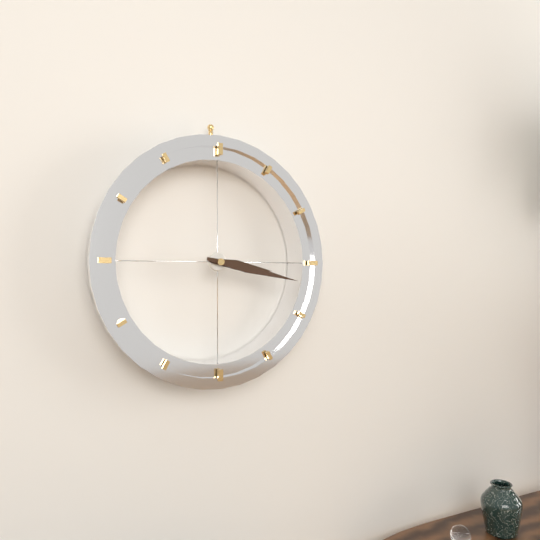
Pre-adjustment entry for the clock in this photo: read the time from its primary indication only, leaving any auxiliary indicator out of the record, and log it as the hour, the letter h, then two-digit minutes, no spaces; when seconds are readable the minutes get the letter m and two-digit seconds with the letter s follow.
3h17
